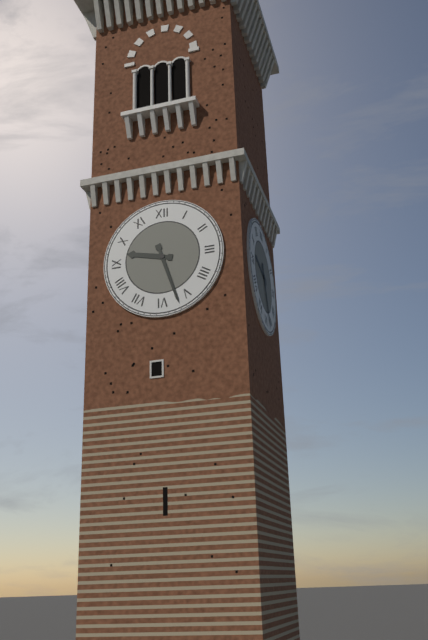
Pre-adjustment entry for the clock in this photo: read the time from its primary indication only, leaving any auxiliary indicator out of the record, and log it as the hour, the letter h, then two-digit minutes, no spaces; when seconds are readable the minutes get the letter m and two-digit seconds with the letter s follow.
9h27
